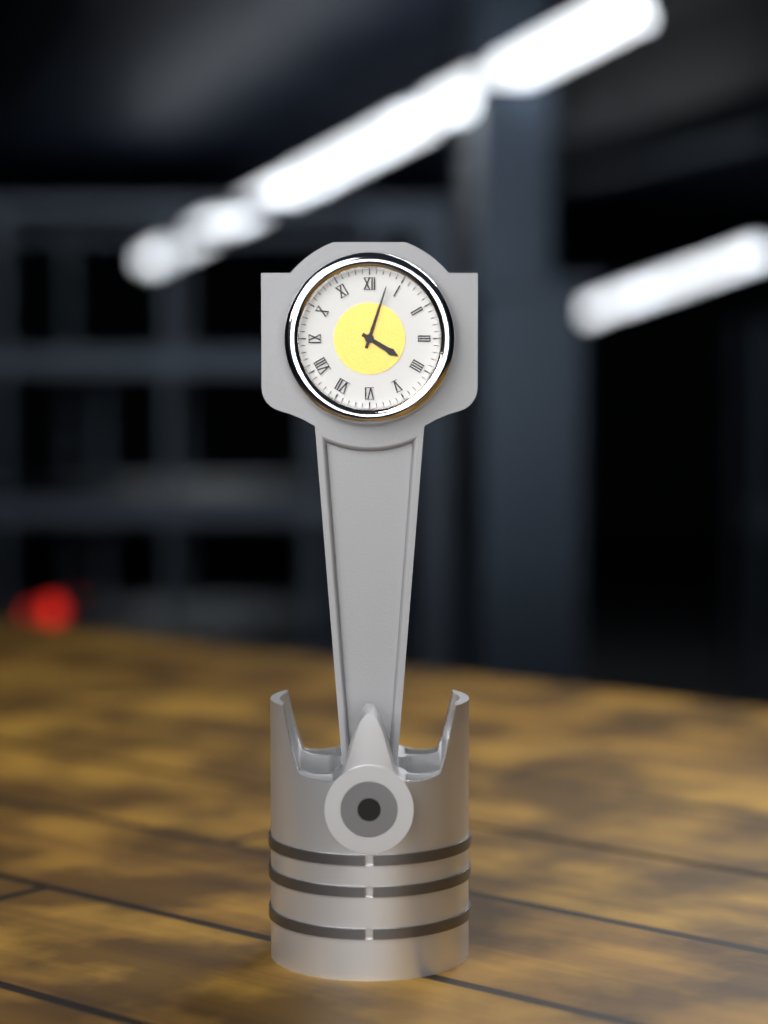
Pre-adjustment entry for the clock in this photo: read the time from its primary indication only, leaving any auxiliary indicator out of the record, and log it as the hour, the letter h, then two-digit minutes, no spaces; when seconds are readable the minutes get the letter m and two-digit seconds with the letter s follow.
4h03
